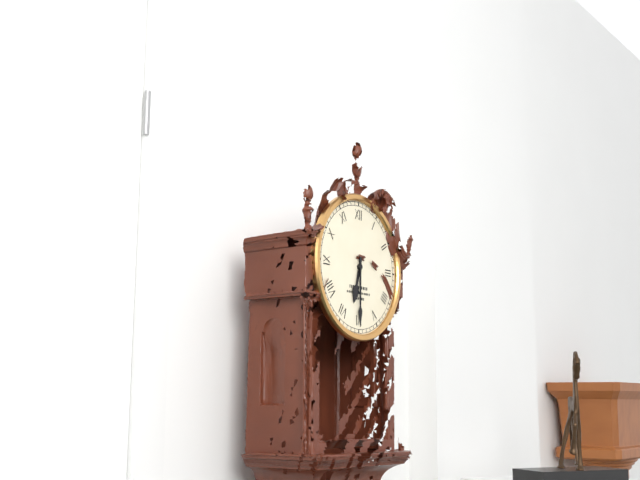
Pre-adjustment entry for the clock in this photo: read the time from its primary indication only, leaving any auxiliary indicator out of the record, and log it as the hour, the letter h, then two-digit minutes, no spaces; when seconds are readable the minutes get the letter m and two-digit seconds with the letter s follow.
6h30
